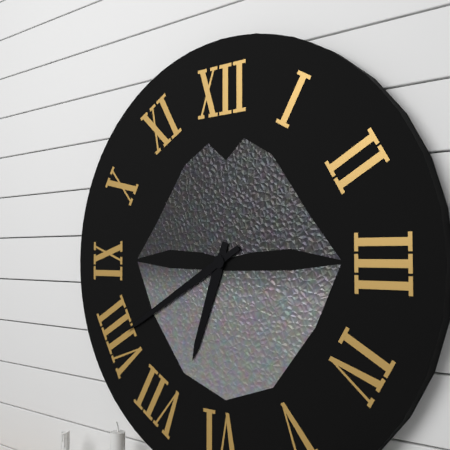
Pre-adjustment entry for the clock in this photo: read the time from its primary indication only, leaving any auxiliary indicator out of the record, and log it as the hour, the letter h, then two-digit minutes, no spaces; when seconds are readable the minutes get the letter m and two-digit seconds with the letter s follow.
6h40
